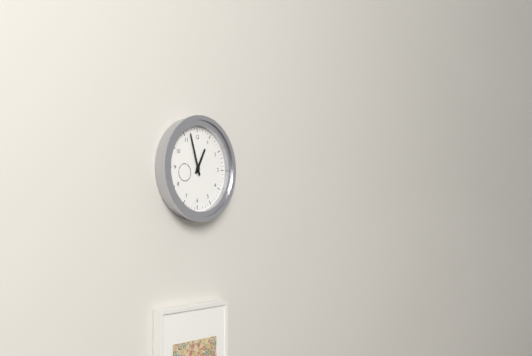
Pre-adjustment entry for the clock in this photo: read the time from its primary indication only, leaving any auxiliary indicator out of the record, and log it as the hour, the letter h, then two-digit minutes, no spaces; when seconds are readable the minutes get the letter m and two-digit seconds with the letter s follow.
12h57
